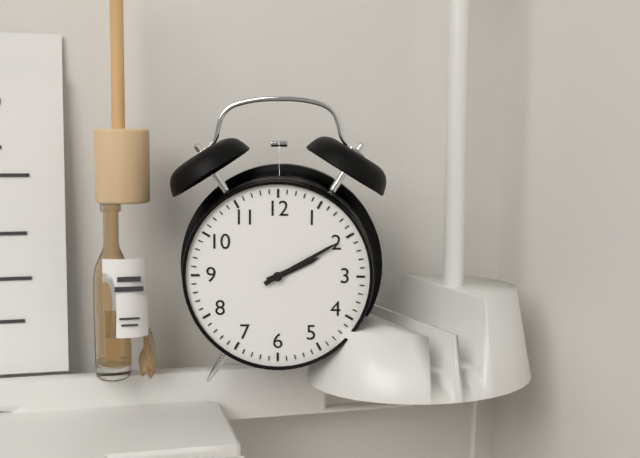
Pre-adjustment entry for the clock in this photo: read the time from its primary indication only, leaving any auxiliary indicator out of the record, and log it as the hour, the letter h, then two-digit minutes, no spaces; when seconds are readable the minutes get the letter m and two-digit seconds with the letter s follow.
2h10
